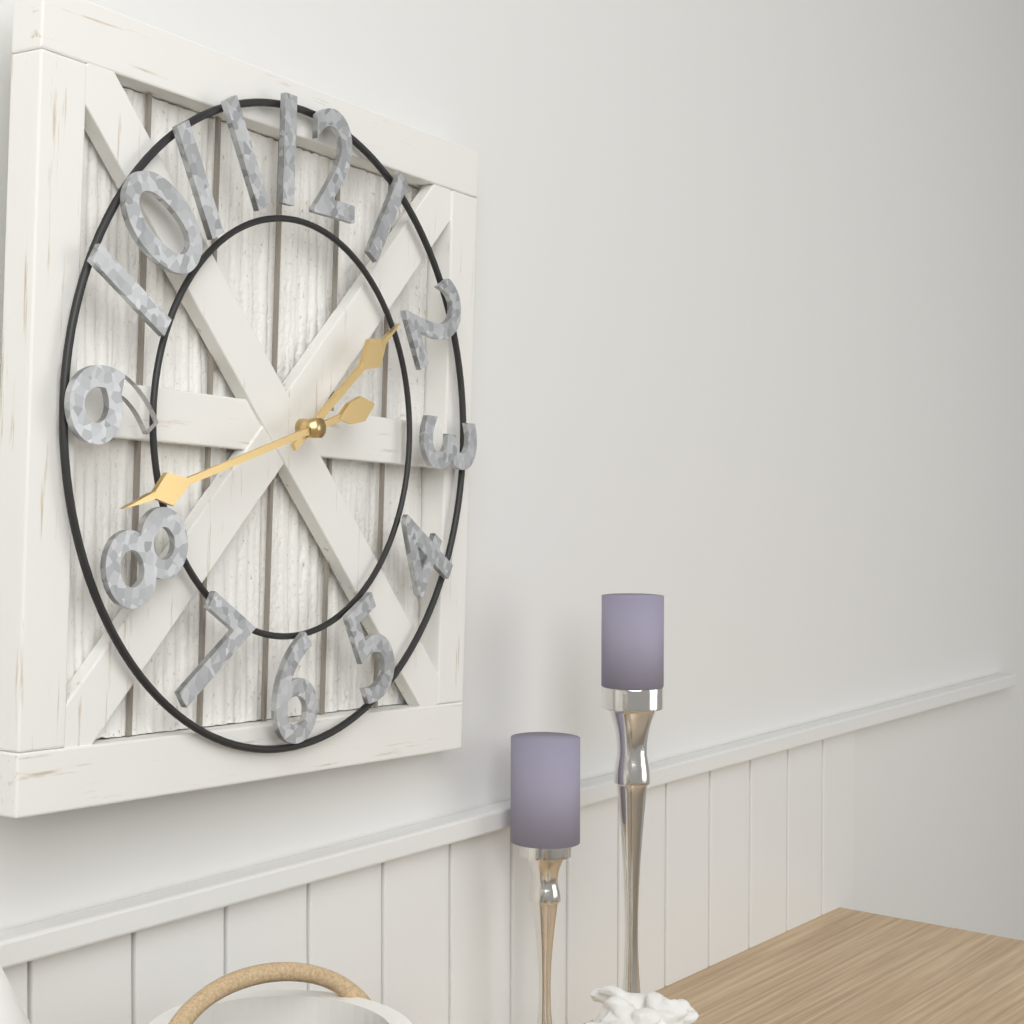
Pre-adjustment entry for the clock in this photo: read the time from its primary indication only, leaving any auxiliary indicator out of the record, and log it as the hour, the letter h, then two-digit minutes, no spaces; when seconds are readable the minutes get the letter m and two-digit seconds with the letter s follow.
1h42
